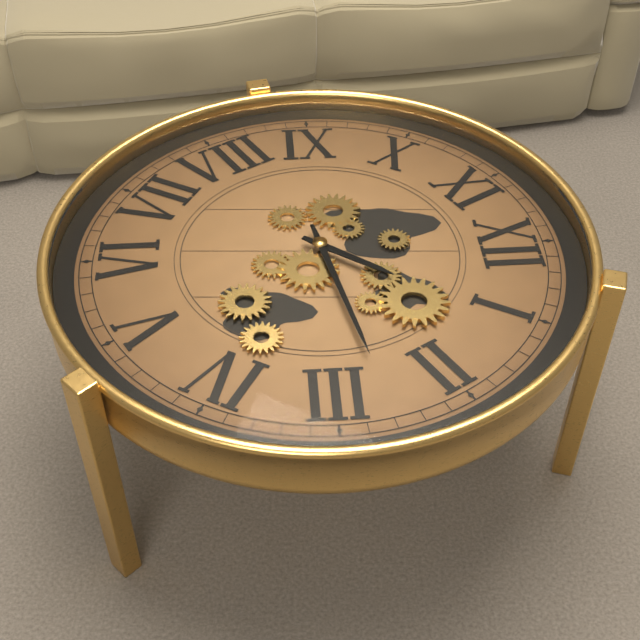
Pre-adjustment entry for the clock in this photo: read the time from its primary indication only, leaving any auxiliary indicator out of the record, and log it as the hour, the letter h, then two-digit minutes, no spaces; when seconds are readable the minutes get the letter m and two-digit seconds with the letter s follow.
1h13
